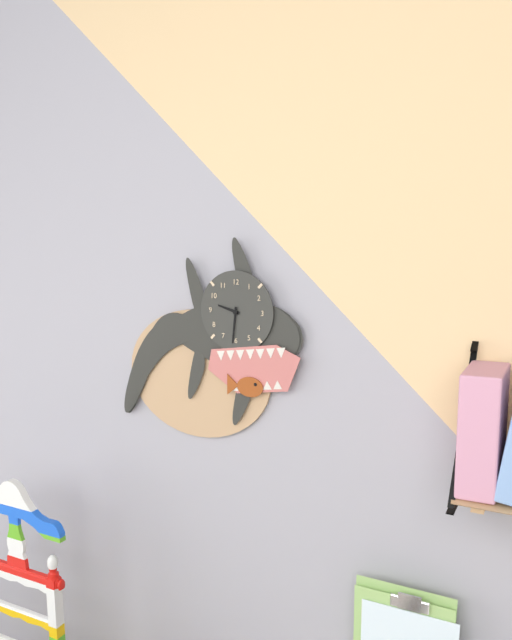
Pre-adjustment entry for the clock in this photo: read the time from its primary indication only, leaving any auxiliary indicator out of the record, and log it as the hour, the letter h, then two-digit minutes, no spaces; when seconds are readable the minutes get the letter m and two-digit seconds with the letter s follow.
9h31
